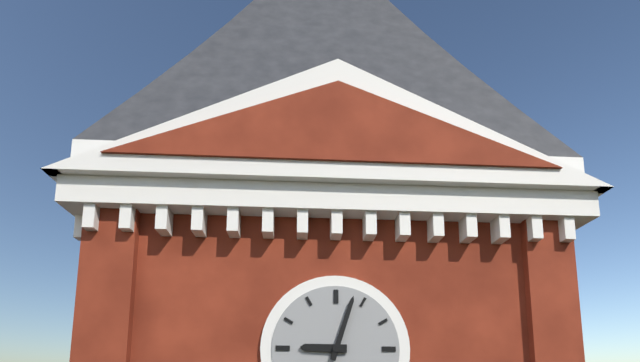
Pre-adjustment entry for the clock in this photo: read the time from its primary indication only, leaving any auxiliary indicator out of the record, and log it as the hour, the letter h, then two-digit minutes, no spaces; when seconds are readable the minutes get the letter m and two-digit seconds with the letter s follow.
9h03
